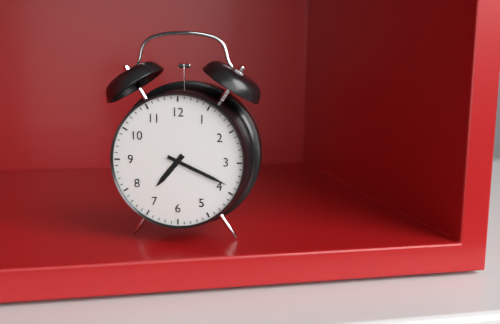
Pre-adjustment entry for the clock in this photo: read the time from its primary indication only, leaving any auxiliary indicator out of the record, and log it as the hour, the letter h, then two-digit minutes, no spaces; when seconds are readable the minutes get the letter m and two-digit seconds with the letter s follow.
7h19
